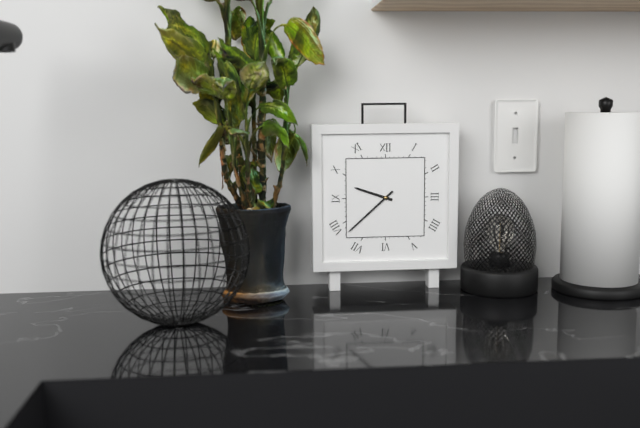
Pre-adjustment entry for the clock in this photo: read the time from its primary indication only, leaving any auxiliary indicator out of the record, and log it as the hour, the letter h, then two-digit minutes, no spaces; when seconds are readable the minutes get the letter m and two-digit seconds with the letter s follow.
9h38
